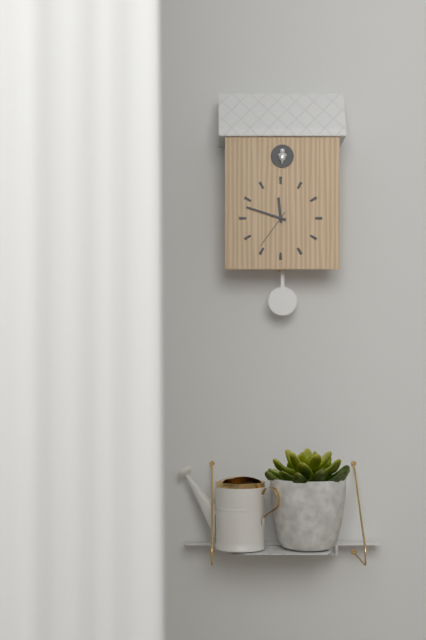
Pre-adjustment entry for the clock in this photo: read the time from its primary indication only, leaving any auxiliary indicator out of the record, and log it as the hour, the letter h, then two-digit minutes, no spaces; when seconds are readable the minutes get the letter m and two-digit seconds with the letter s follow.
11h48
